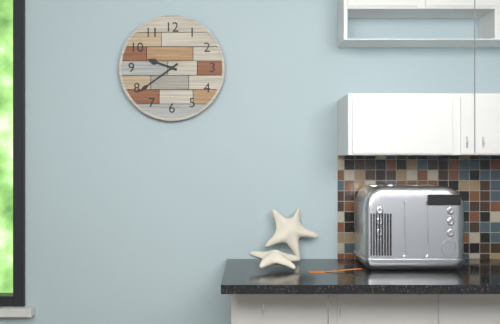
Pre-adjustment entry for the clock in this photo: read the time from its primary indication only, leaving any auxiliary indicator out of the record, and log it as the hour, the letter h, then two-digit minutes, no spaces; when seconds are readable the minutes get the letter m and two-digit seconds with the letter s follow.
9h39
